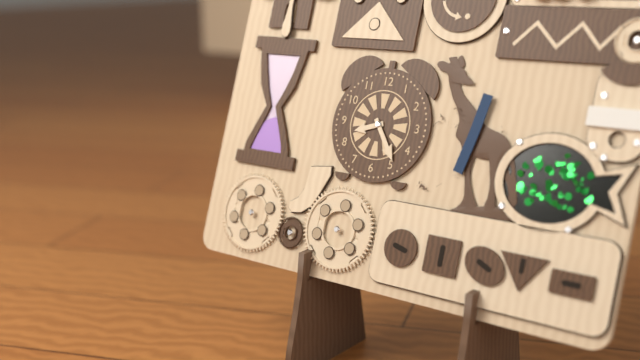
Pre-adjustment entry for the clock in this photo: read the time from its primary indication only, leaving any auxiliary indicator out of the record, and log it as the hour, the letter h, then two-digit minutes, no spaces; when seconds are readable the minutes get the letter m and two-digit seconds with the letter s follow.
8h24
